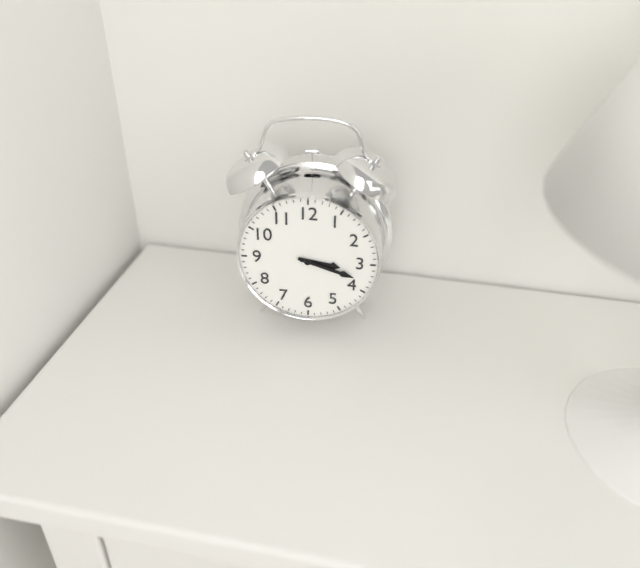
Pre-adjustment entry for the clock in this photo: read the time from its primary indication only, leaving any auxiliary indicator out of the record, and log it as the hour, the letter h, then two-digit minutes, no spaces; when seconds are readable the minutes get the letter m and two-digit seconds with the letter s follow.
3h18
